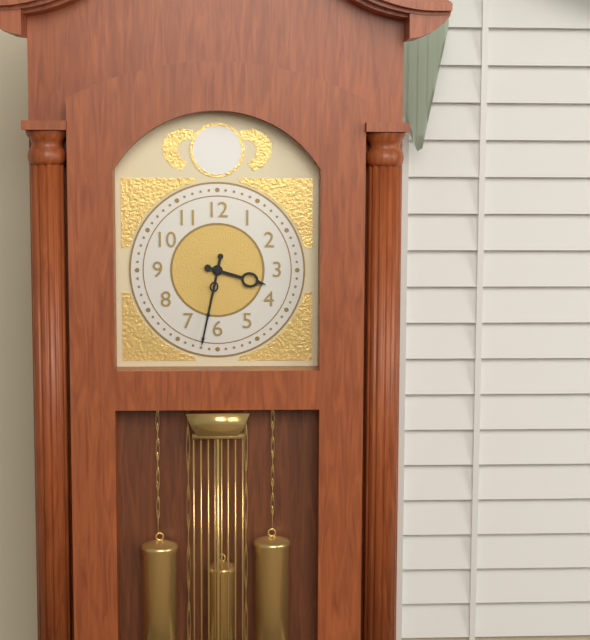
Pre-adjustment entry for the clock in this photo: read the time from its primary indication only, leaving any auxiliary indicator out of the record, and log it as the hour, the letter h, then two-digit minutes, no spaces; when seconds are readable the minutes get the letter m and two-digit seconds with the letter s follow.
3h32
